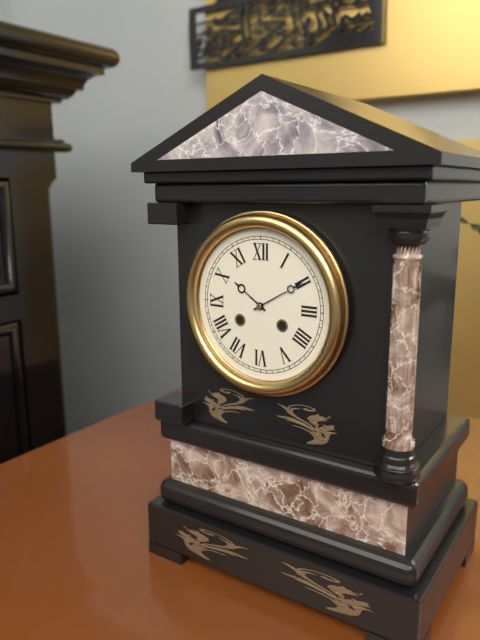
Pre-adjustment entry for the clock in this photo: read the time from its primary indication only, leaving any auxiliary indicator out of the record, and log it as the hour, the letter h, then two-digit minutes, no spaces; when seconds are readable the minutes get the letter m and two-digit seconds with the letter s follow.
10h10
